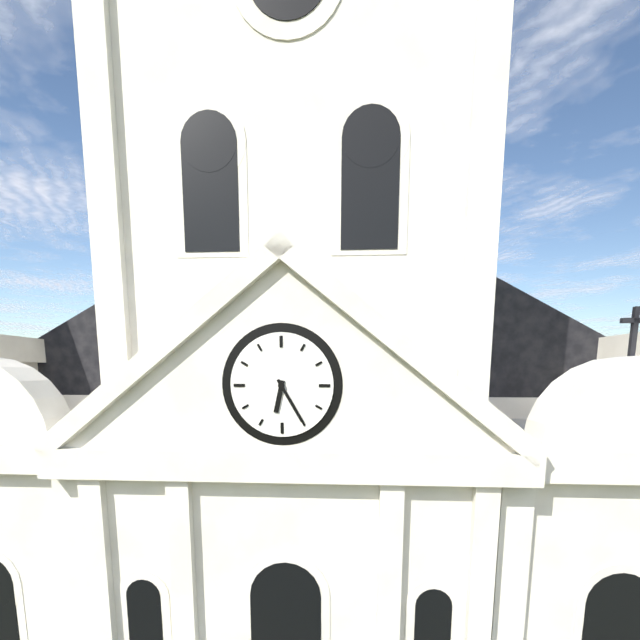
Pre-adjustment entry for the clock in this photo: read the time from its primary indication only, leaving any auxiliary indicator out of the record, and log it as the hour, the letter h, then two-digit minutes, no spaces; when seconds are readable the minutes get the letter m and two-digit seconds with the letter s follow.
6h25
